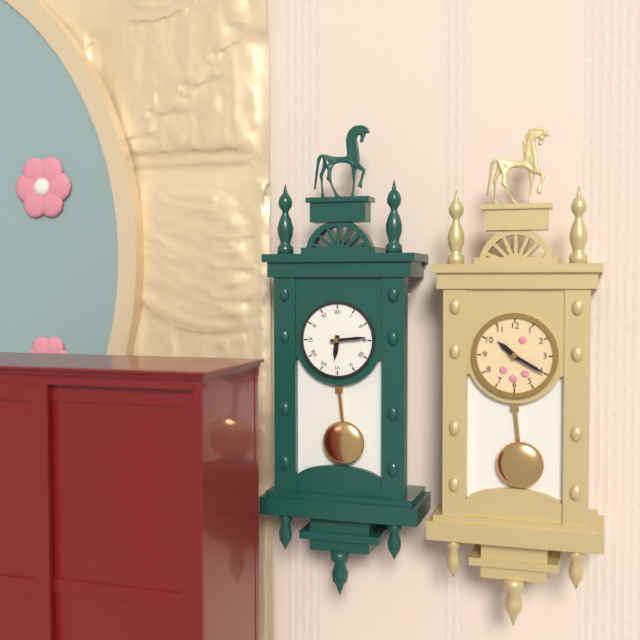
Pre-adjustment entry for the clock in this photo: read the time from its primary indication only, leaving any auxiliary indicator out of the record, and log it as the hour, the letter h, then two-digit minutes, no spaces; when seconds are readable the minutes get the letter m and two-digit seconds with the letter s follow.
6h14
